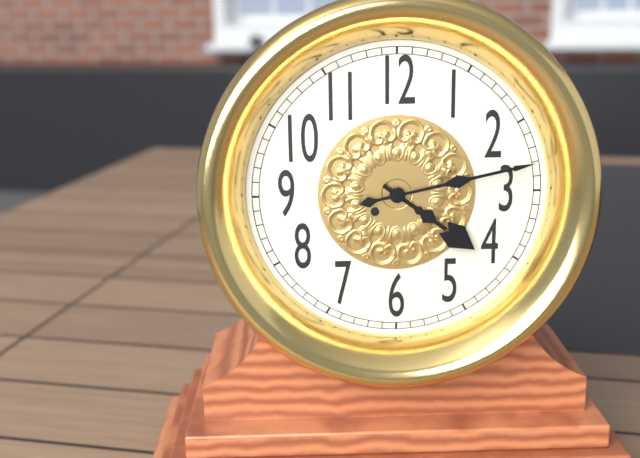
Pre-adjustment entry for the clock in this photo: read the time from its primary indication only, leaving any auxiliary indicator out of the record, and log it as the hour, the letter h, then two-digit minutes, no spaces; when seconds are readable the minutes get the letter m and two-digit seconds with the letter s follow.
4h13
